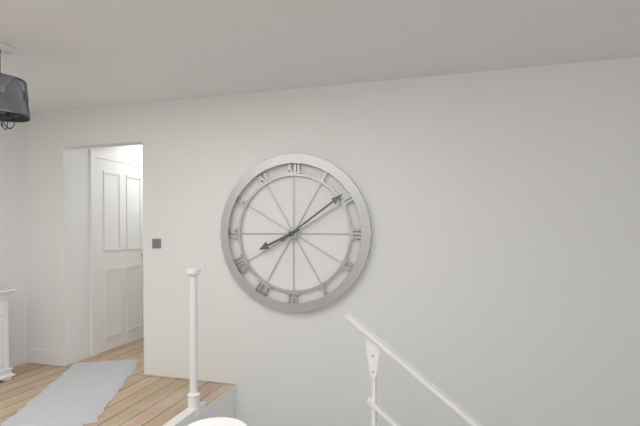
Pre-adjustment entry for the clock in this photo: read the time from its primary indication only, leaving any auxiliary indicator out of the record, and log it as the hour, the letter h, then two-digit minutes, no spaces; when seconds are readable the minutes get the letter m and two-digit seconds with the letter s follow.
8h09
